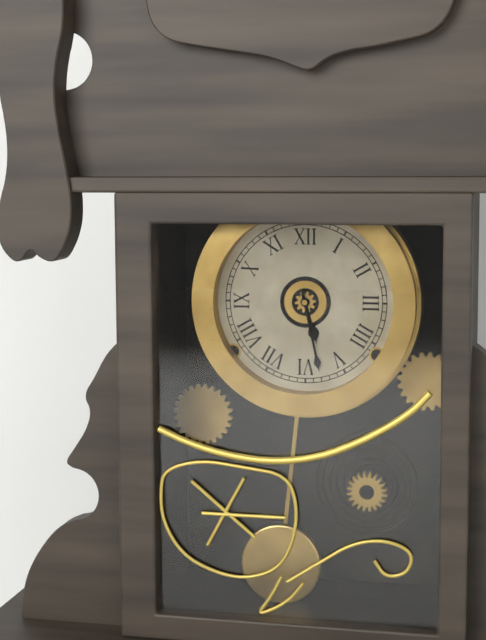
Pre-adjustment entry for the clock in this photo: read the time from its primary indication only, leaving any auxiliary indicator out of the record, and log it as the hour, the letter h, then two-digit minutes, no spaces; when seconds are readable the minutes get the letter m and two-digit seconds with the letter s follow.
5h28
